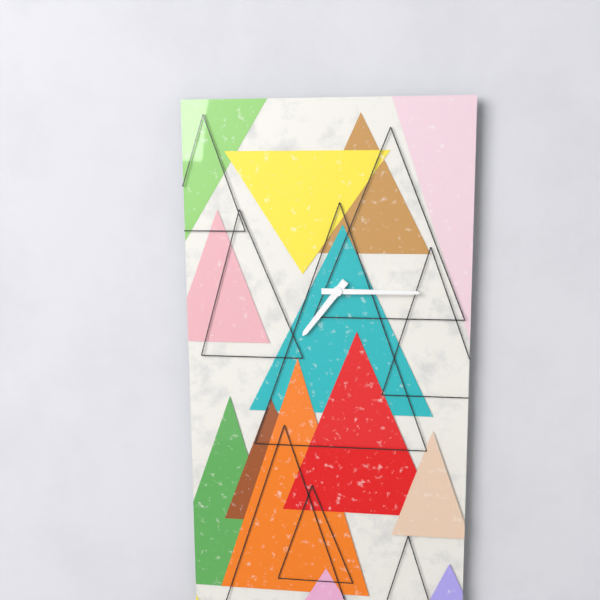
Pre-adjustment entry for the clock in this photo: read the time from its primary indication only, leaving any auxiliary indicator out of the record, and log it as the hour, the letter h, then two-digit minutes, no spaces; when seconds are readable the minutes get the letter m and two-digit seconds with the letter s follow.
7h15
